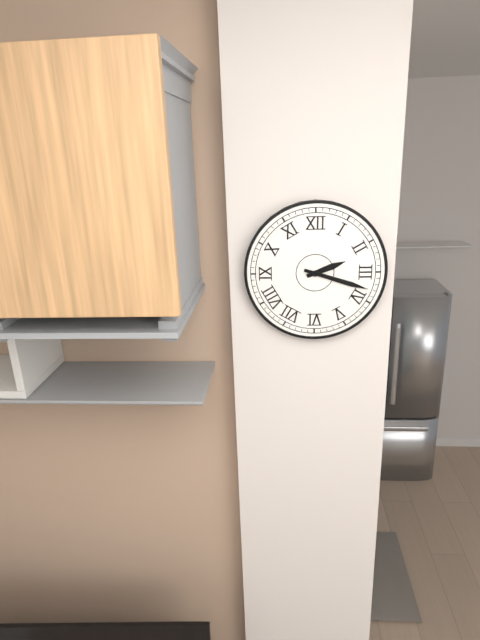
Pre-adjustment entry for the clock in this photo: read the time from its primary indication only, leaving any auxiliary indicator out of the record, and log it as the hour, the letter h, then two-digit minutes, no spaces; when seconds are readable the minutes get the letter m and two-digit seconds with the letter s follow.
2h18
